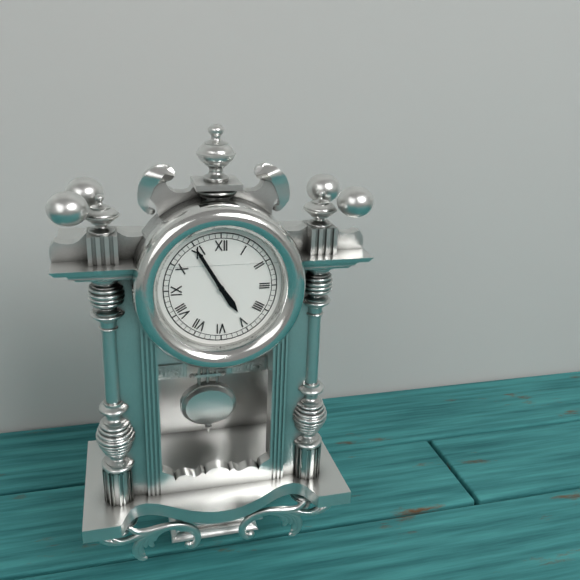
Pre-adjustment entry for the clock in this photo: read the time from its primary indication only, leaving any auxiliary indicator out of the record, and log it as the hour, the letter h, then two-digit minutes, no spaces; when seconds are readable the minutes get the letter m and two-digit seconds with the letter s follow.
4h55
